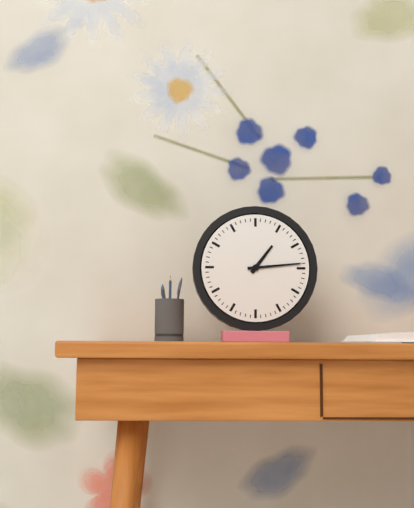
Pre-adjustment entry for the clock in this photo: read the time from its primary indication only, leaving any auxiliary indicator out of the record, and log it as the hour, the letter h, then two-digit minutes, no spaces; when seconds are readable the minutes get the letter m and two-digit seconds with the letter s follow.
1h14
